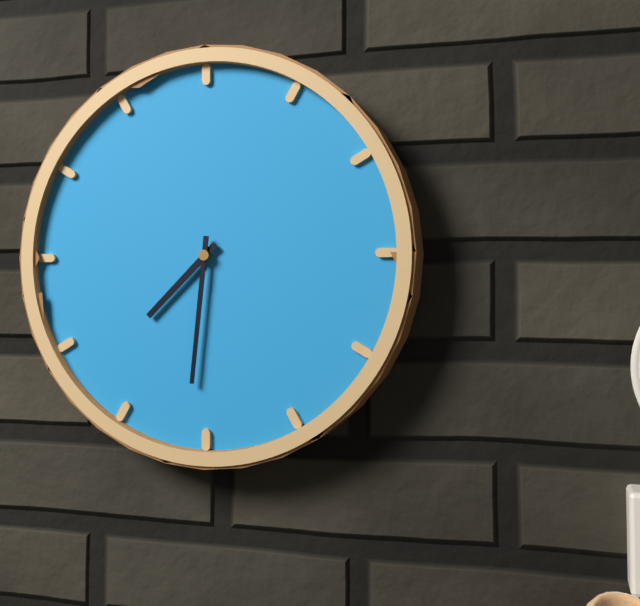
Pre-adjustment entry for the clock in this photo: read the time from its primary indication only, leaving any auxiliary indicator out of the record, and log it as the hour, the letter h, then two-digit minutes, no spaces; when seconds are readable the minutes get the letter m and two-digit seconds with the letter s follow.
7h31
